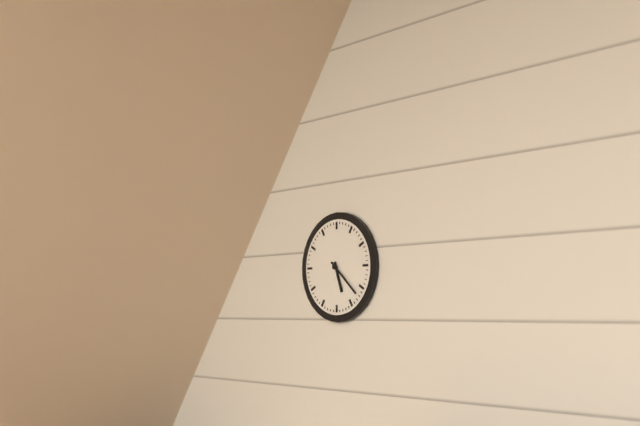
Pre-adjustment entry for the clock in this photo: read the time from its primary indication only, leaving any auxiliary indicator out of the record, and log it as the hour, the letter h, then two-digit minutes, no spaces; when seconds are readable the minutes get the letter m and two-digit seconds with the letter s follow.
5h22
